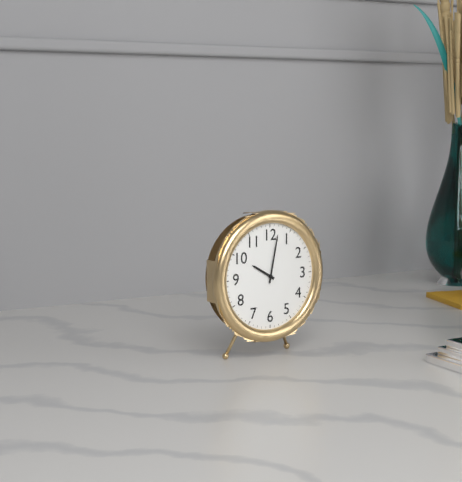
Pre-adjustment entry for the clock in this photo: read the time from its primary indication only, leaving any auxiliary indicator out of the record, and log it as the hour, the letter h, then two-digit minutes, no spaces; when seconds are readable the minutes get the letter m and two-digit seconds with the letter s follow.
10h02
